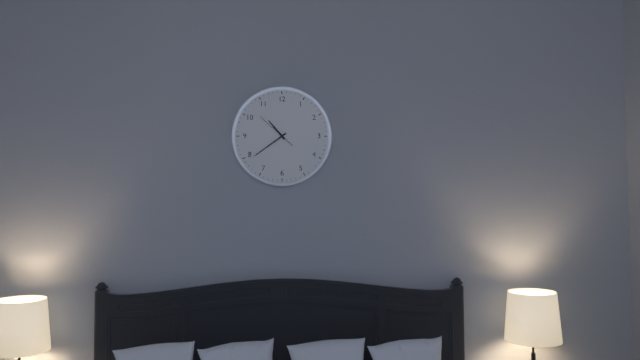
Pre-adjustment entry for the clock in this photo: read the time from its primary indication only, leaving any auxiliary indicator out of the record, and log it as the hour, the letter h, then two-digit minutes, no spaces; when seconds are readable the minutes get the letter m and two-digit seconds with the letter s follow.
10h39
